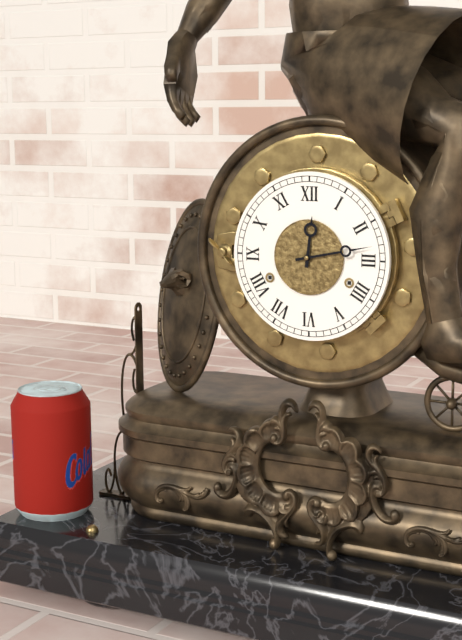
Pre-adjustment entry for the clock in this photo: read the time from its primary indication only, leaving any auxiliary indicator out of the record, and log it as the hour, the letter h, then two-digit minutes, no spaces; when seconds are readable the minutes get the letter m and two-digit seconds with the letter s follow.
12h13
